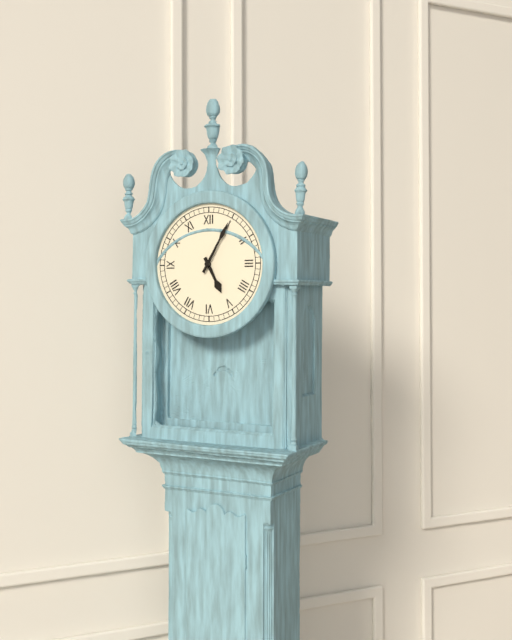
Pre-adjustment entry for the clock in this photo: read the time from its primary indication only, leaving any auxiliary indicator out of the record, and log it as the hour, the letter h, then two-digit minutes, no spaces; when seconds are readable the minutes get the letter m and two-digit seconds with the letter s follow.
5h05
